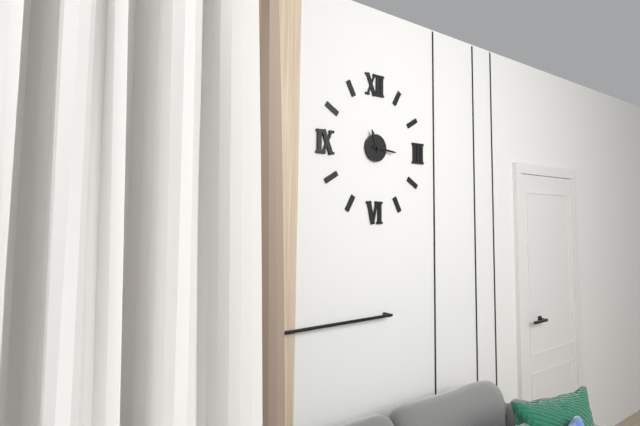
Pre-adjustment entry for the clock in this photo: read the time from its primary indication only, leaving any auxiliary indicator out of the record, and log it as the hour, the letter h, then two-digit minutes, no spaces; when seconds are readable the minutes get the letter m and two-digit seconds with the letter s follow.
11h16
